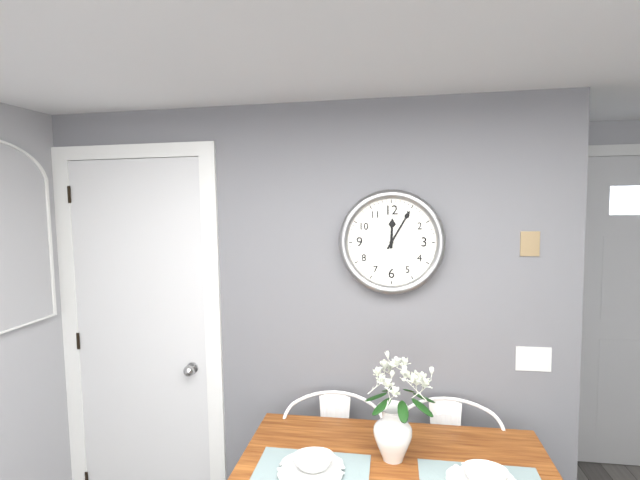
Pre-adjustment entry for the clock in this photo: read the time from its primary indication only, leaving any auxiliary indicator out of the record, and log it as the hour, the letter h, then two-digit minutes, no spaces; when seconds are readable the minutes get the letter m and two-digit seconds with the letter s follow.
12h05
